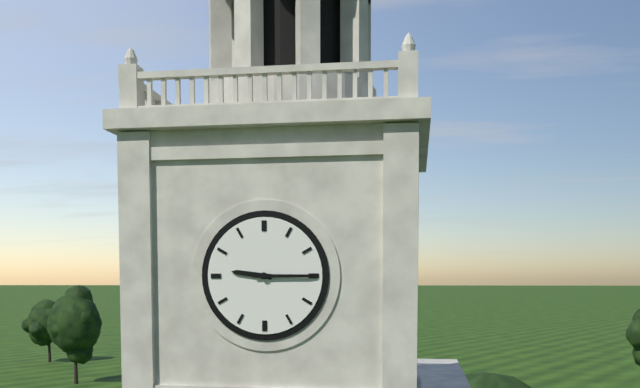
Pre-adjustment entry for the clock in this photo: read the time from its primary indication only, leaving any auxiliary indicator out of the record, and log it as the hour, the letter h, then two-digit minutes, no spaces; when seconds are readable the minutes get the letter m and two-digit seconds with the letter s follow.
9h15
